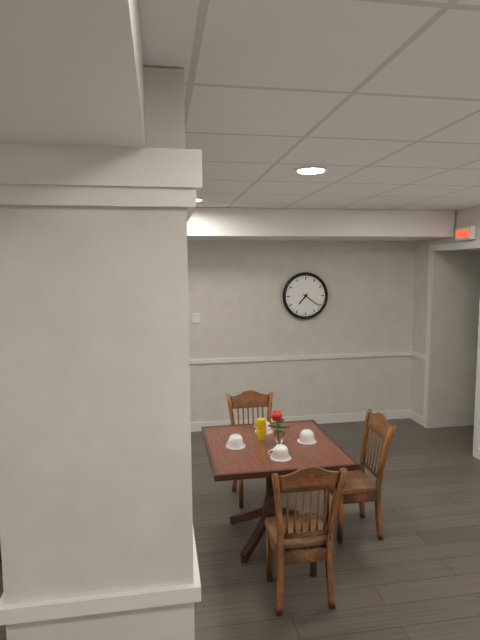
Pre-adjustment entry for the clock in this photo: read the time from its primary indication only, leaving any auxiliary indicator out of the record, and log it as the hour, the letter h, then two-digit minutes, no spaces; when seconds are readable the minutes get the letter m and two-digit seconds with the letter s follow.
7h21
